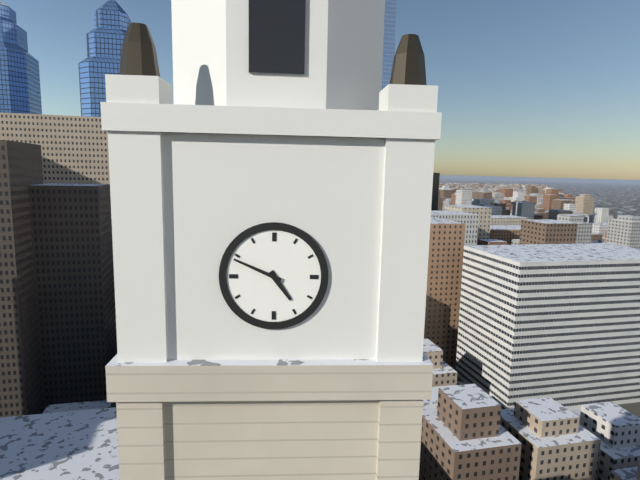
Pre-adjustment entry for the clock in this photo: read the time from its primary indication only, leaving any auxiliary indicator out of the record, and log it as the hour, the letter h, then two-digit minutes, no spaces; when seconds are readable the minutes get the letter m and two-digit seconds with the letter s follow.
4h49
